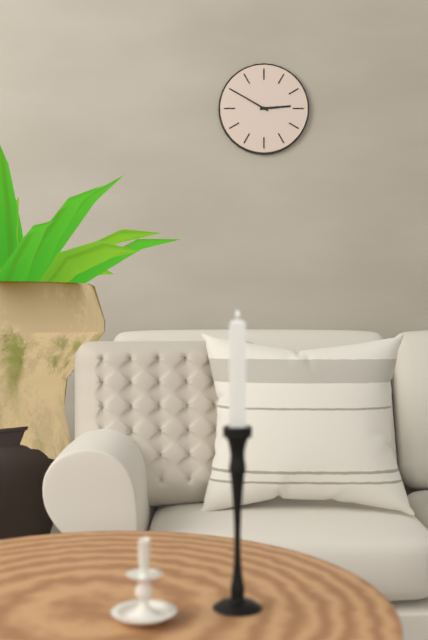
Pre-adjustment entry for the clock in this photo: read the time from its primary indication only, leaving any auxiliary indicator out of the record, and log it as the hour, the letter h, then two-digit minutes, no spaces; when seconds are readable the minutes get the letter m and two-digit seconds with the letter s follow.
2h50
